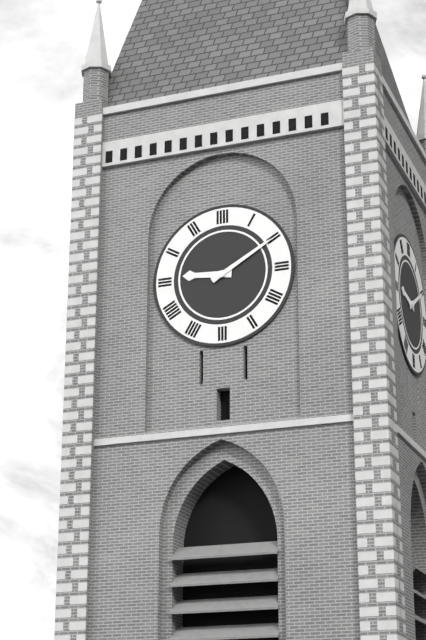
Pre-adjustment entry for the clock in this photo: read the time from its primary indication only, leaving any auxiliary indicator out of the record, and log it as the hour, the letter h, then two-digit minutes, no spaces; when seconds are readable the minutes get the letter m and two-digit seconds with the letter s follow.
9h10
